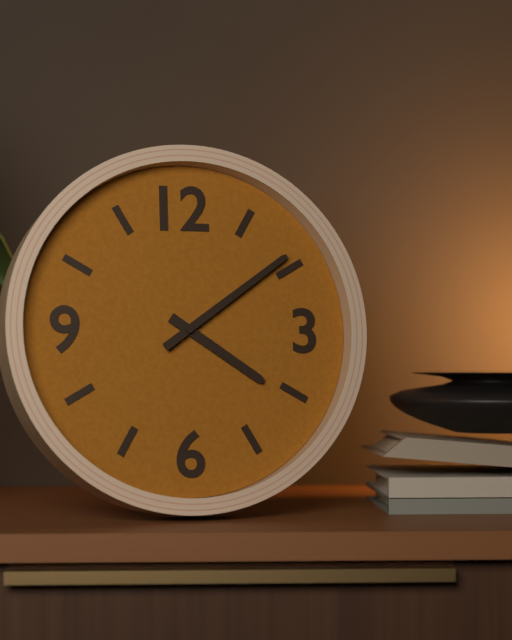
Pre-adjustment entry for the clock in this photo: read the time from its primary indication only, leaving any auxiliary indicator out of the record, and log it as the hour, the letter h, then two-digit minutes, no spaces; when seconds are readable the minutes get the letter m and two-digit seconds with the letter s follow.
4h09
